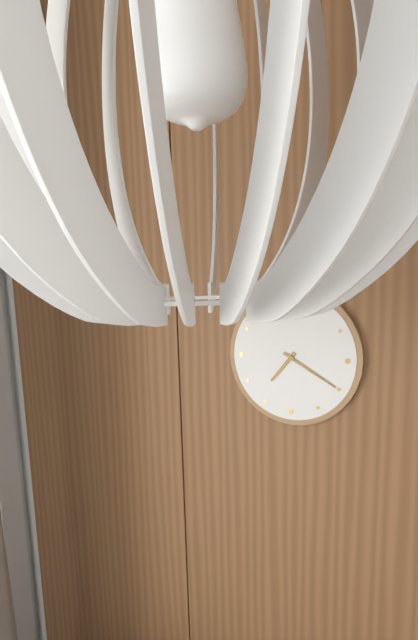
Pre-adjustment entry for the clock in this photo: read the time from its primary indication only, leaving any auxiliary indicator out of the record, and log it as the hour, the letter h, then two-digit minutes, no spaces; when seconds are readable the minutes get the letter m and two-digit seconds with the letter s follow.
7h20
